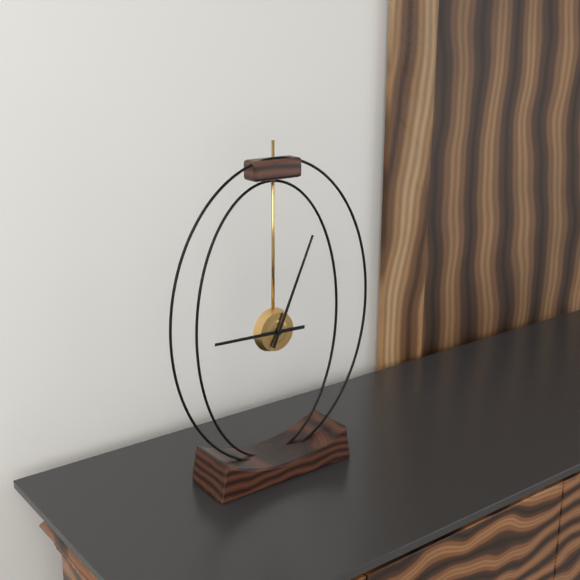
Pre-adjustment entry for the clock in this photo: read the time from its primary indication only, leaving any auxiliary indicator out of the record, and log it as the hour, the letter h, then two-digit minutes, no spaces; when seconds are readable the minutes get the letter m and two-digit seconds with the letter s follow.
9h04
